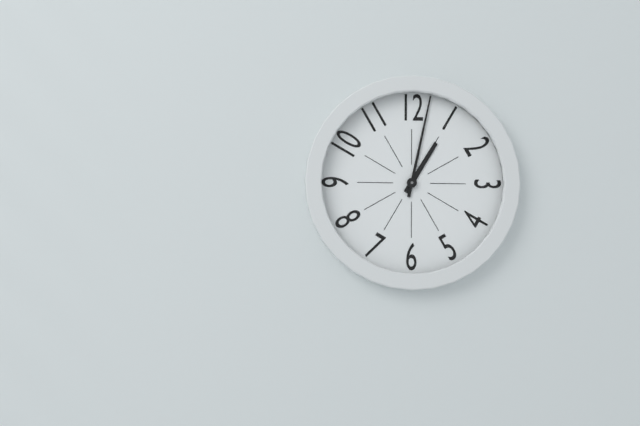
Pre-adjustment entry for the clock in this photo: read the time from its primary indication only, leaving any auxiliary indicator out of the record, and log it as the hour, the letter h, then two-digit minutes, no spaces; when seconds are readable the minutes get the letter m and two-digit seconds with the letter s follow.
1h02
